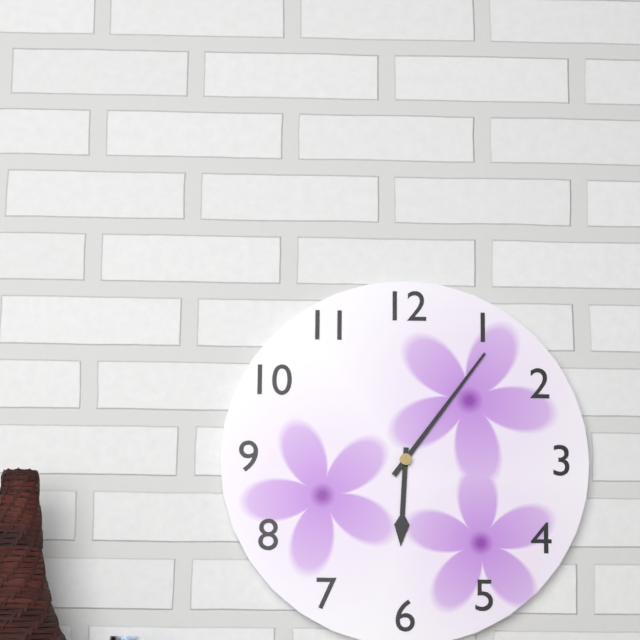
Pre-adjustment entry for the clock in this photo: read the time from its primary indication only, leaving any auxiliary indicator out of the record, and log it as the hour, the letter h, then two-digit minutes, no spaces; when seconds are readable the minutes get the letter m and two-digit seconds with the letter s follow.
6h06
